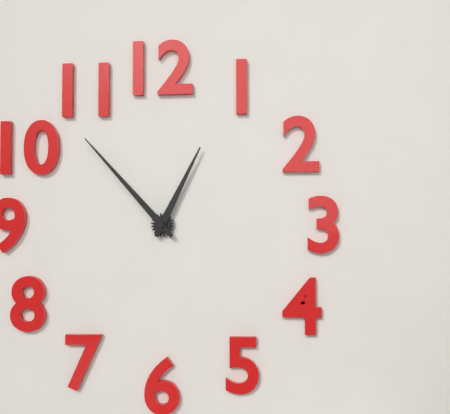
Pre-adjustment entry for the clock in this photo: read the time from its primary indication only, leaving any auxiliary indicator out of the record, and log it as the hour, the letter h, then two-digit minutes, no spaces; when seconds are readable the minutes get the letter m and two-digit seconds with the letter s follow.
12h53
